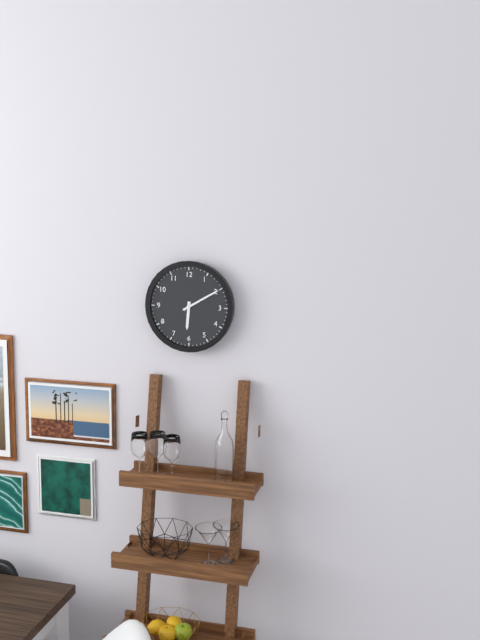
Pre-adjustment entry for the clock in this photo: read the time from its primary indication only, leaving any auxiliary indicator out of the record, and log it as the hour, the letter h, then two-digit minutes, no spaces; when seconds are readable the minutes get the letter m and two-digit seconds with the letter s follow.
6h10
